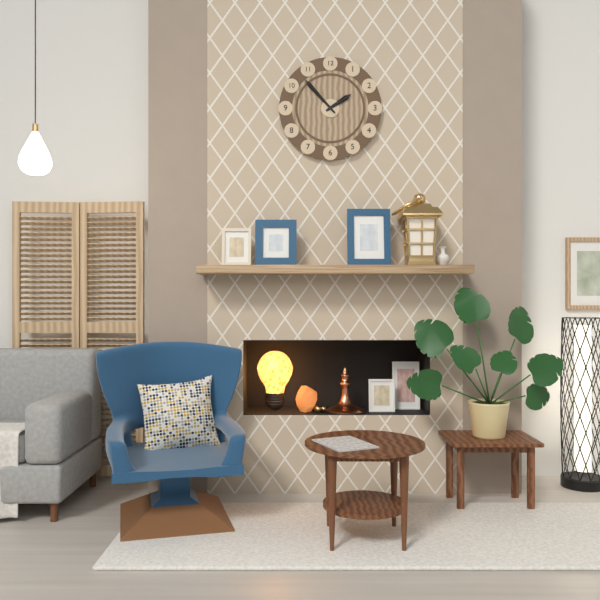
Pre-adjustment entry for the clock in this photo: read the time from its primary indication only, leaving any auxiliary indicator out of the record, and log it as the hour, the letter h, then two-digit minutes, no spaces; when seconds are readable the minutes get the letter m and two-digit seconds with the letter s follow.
1h53
